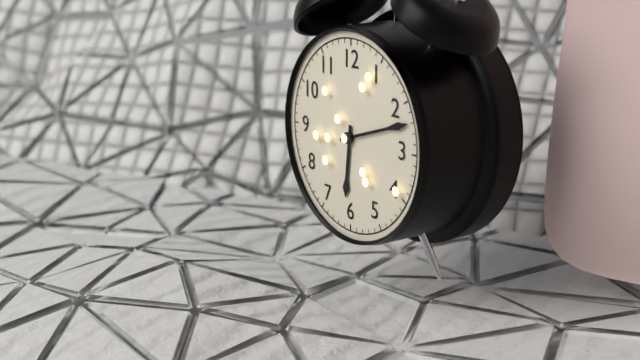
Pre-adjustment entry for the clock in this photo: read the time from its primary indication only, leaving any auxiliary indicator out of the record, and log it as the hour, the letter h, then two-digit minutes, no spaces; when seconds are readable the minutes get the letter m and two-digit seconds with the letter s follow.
6h12
